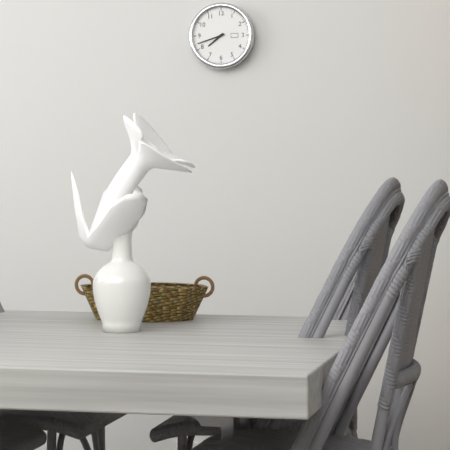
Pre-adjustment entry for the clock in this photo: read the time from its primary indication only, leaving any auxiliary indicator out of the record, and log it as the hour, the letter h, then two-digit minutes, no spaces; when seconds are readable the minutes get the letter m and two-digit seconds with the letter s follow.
7h42
